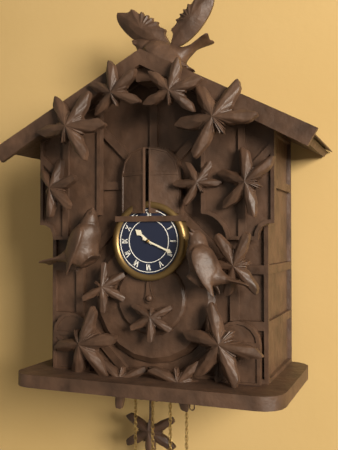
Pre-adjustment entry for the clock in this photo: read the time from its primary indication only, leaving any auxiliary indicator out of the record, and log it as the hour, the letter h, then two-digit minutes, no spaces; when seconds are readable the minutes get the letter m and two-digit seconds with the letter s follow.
10h19
